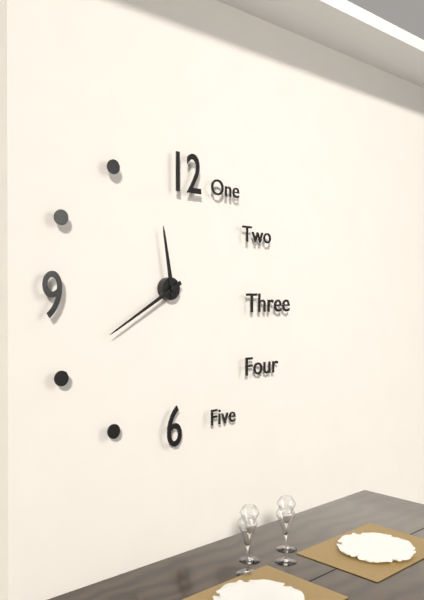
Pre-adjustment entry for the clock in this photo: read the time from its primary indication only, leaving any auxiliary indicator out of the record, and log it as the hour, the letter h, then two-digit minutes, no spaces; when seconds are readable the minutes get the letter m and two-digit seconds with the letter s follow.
11h40
